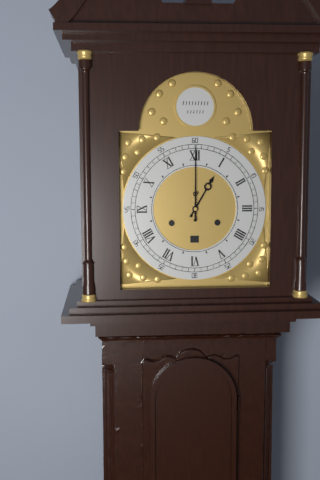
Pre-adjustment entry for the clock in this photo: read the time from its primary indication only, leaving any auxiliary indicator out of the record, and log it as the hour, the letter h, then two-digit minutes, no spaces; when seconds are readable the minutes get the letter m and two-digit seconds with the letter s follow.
1h00
